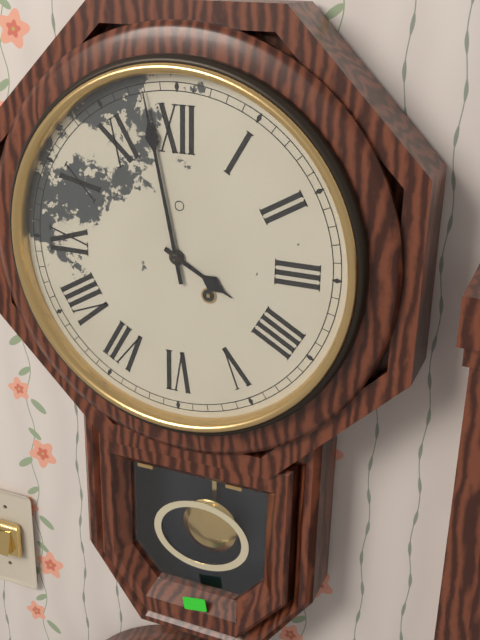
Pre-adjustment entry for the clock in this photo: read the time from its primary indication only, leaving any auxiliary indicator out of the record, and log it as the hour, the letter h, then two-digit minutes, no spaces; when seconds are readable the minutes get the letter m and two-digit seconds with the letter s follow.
3h58
